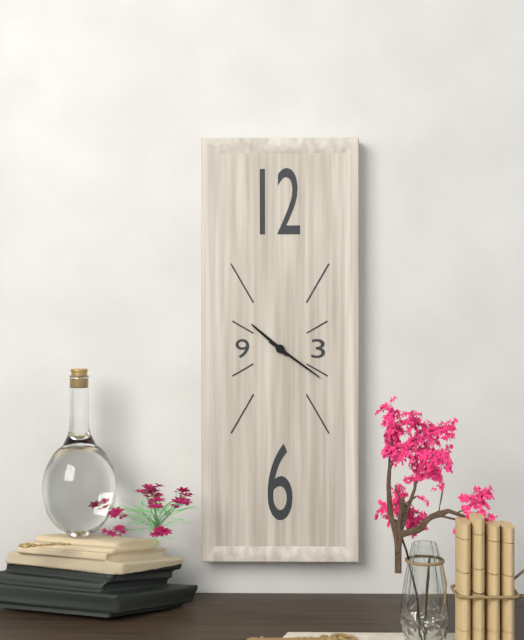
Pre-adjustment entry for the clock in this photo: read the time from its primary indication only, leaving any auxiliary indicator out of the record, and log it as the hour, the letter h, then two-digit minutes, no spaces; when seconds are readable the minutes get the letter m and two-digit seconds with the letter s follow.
10h21
